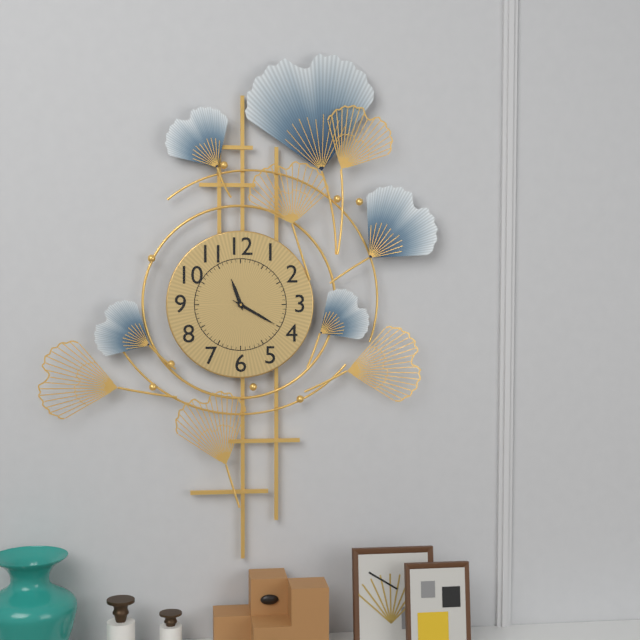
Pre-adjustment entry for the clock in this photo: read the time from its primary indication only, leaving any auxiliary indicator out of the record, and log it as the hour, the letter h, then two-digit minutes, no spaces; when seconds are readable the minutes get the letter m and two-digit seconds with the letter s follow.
11h20
